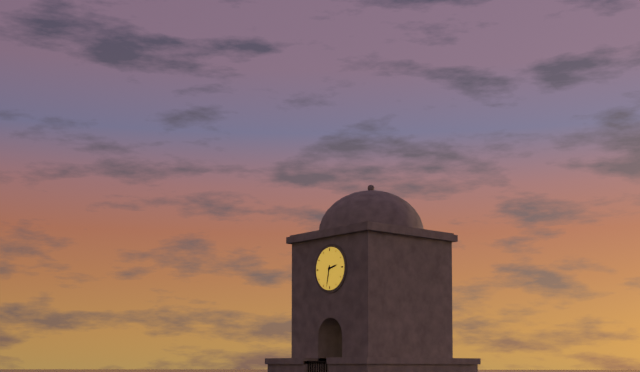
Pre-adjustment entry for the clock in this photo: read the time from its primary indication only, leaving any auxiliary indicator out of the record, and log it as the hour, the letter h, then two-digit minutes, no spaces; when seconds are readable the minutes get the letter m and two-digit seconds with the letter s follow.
2h32
